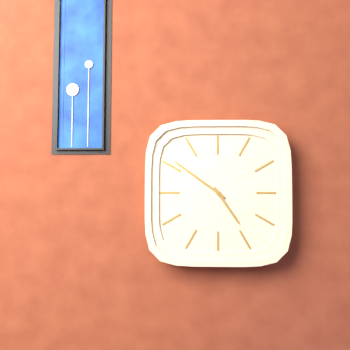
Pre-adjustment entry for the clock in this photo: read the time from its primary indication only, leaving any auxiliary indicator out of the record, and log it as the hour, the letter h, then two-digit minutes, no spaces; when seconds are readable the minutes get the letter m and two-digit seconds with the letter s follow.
4h51
